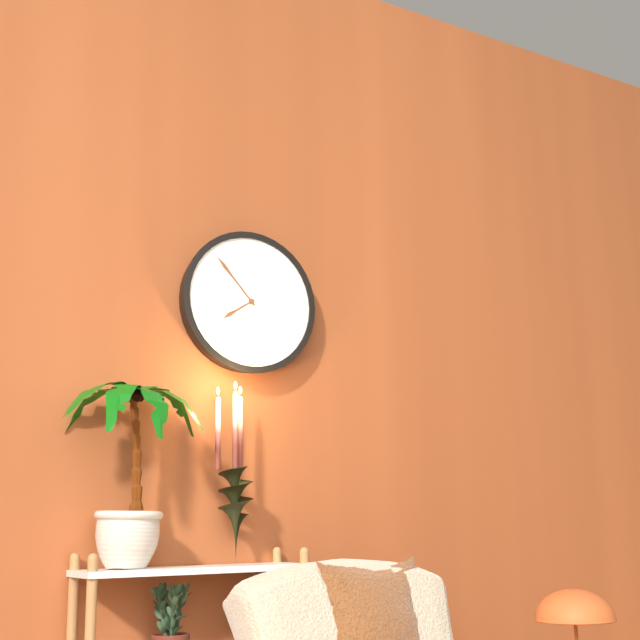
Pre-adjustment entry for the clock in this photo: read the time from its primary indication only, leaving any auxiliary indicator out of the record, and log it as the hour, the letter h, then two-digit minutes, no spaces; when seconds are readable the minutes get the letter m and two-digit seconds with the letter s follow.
7h53
